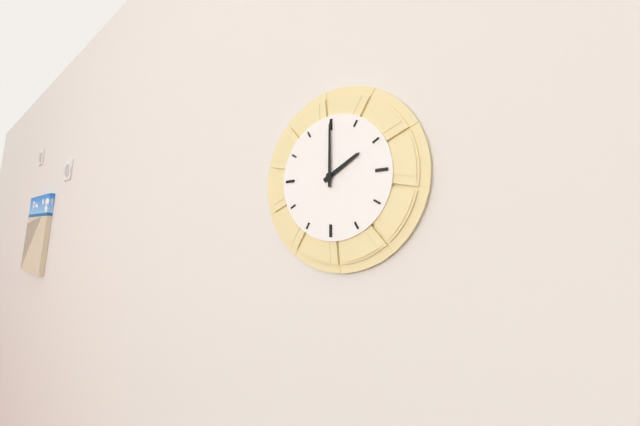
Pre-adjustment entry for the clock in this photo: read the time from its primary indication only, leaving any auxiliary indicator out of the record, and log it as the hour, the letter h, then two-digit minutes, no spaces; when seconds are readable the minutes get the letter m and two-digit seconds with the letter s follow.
2h00
